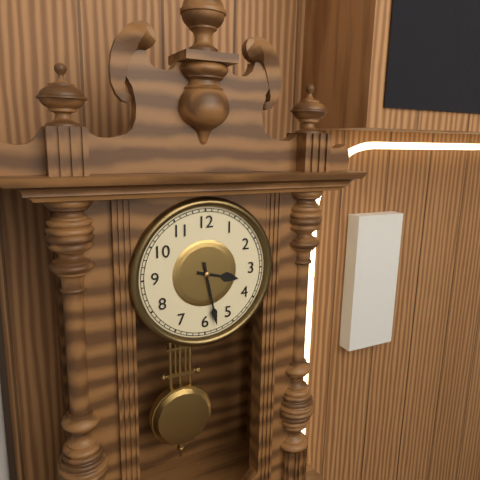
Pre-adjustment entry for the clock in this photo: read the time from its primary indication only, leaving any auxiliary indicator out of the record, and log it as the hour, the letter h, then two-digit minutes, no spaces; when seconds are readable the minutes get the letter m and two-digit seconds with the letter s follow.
3h28
